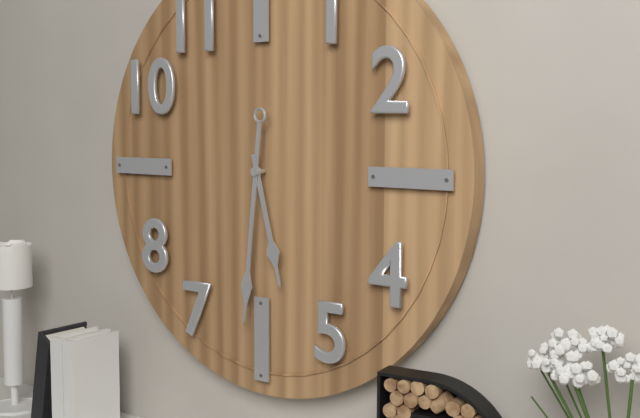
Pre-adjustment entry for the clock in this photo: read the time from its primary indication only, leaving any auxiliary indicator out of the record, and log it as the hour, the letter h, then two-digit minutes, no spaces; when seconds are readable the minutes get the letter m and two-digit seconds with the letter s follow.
5h31
